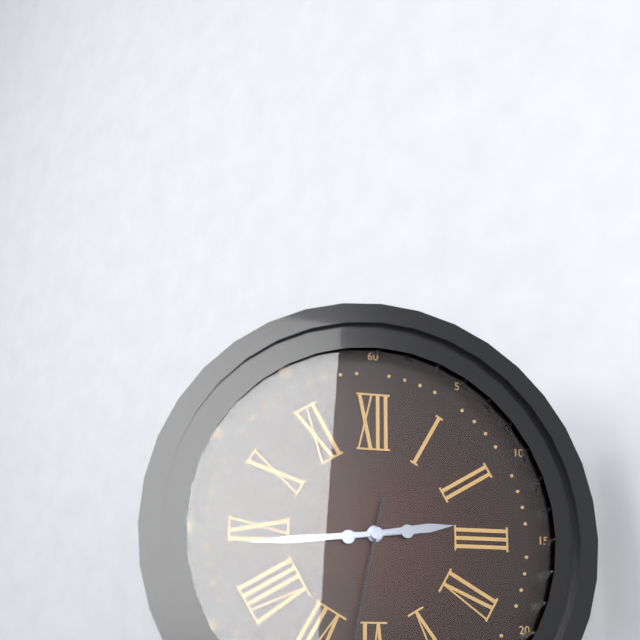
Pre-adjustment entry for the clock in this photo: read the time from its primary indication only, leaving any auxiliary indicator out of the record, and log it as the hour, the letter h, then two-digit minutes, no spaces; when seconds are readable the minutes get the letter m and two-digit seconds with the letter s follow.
2h44
